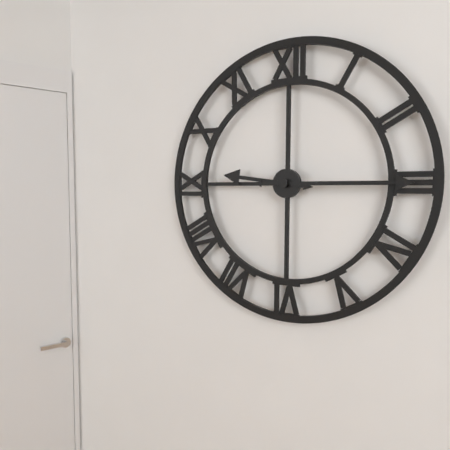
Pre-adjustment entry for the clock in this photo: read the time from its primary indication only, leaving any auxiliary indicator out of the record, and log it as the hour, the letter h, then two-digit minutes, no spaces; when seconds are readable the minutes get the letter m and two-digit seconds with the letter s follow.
9h15
